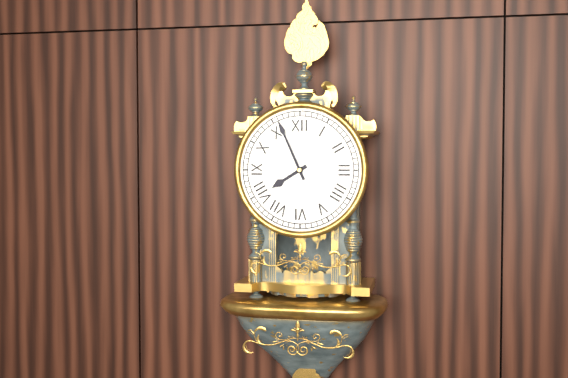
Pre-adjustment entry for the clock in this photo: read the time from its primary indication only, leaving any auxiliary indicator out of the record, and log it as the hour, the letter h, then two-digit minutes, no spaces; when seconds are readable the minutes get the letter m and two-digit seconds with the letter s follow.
7h56
